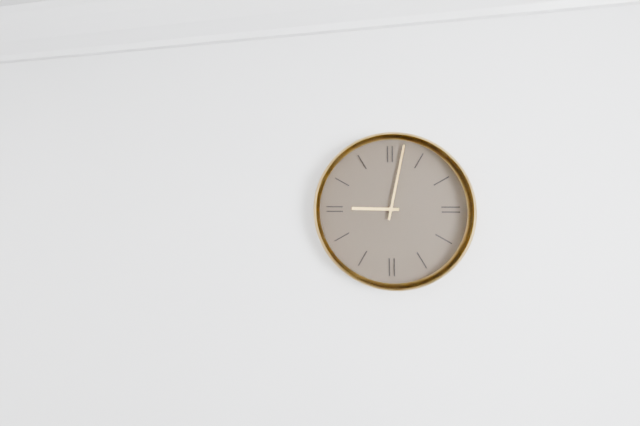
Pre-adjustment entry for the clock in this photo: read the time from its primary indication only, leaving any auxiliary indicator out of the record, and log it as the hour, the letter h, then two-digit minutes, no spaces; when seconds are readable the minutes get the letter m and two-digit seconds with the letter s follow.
9h02
